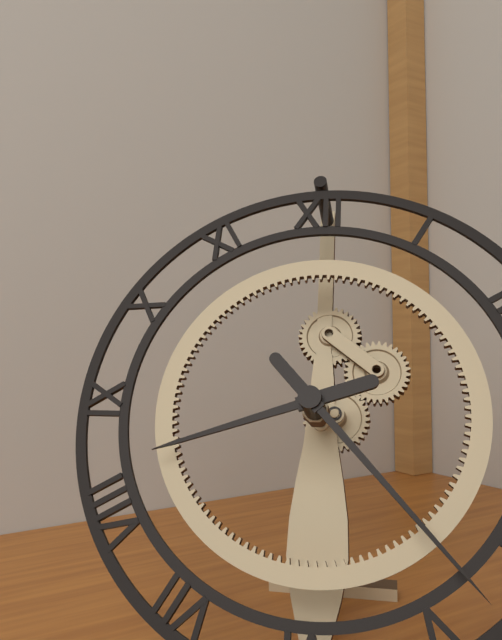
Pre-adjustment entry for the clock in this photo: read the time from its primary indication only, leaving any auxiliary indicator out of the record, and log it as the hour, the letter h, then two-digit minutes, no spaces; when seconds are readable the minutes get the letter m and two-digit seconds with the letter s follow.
8h23
